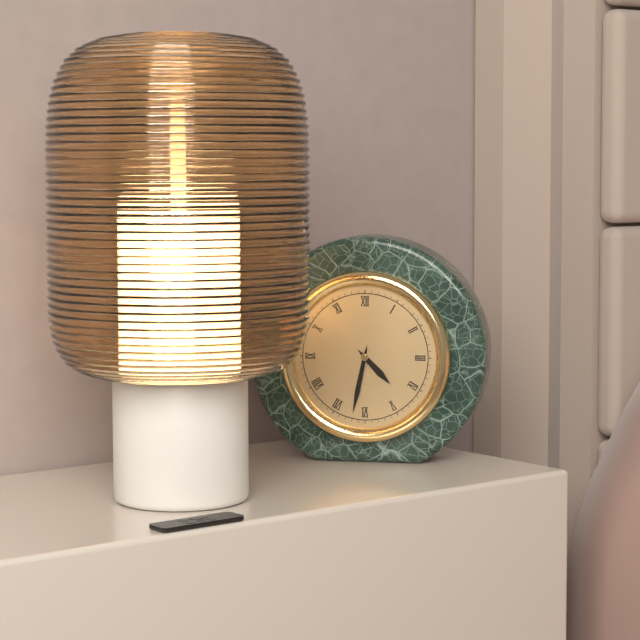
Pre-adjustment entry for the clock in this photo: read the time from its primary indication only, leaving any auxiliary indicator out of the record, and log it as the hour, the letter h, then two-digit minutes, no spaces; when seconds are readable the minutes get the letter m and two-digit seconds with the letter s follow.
4h32
